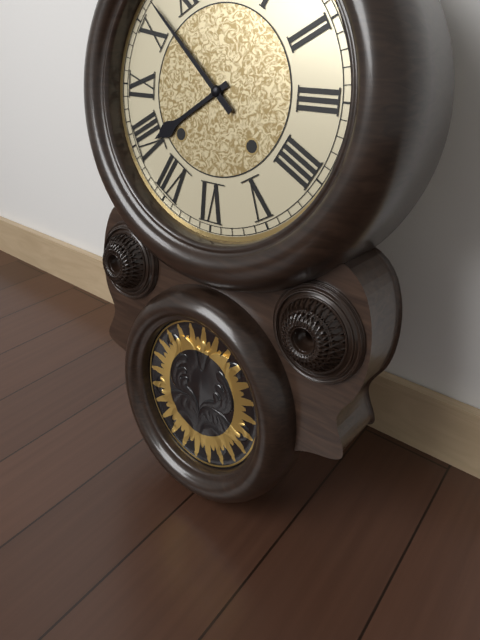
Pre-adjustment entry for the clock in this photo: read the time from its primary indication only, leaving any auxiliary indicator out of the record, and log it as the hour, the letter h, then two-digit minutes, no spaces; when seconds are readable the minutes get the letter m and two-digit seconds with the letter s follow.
7h52
